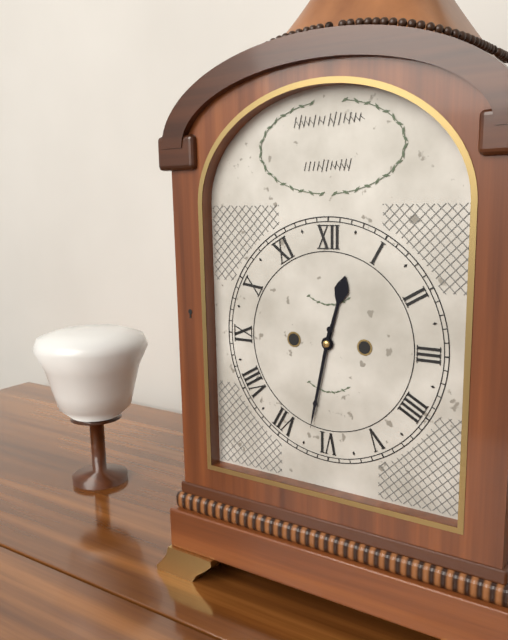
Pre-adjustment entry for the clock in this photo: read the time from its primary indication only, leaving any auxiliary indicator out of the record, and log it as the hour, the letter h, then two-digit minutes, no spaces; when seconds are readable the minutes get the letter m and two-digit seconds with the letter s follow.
12h32
